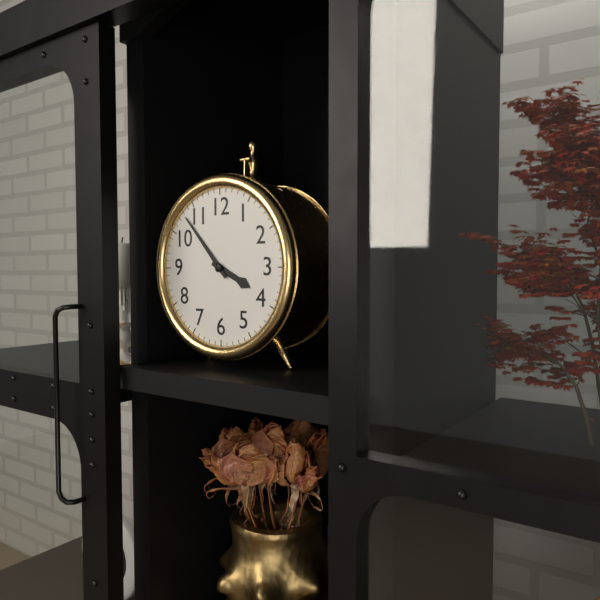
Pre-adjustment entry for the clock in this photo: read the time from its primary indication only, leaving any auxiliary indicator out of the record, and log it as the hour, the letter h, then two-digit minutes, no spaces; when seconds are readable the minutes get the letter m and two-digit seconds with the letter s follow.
3h53
